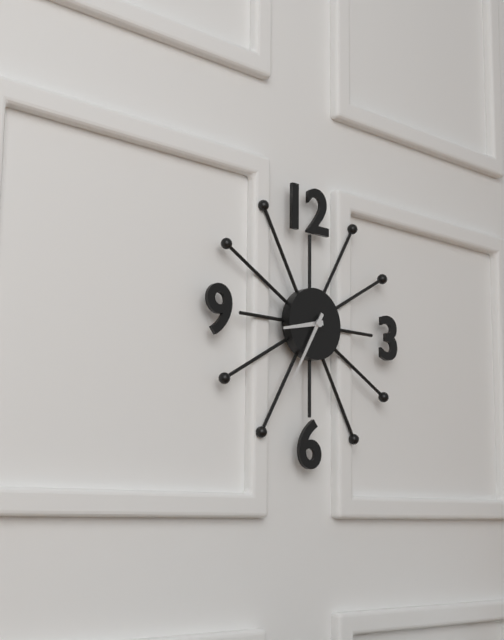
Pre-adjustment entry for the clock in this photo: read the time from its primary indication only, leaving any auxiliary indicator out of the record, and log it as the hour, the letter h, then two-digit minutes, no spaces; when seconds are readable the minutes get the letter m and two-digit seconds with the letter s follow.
8h35
